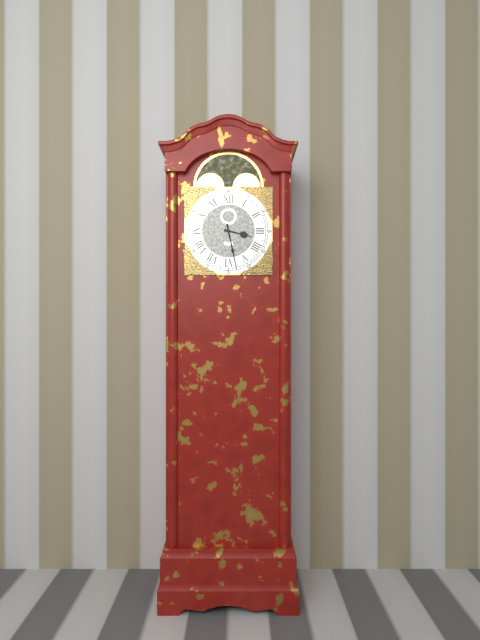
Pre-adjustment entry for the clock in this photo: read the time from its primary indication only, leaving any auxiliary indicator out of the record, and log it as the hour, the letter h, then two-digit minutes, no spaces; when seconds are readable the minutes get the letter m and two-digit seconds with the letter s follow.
3h28
